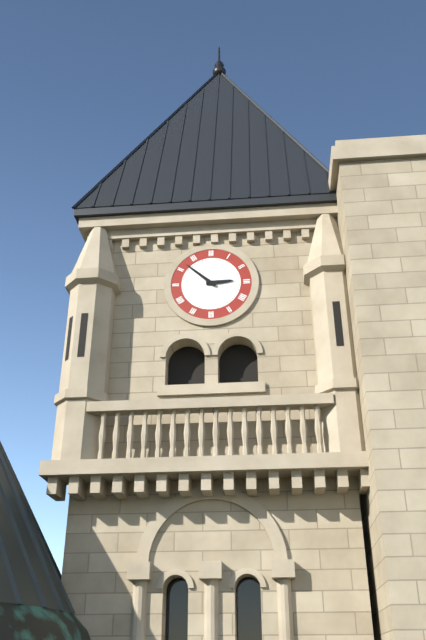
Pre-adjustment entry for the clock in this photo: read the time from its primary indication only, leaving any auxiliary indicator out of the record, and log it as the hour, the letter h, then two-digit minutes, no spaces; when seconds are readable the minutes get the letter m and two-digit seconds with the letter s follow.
2h52
